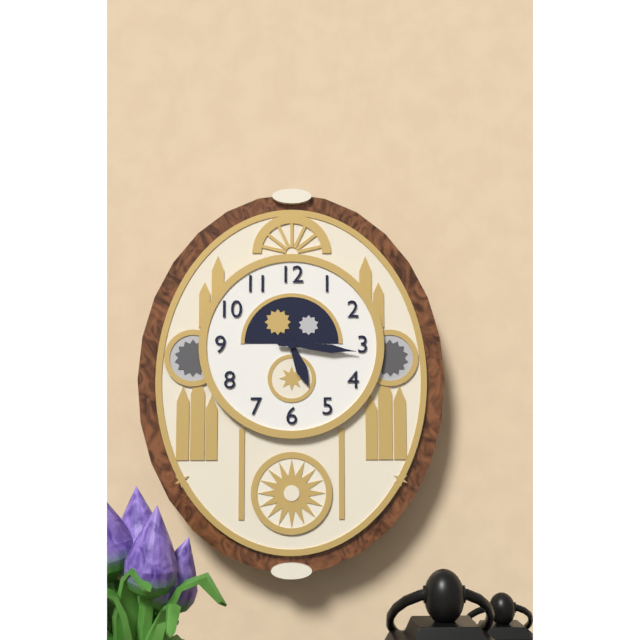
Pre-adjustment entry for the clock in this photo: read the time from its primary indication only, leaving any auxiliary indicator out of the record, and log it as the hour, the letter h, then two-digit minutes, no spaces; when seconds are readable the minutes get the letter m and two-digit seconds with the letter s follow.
5h16
